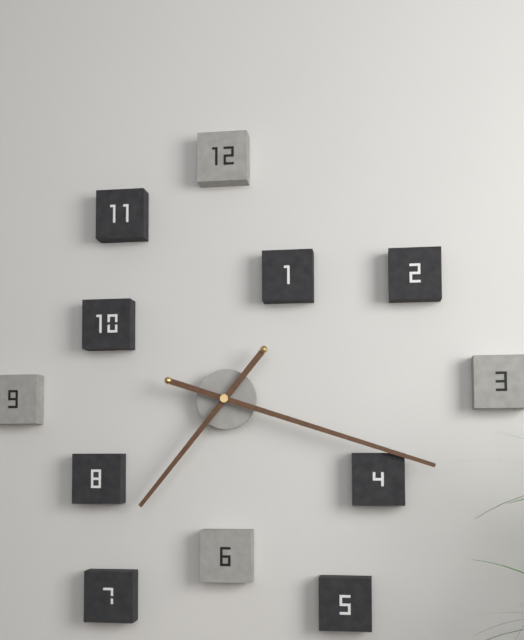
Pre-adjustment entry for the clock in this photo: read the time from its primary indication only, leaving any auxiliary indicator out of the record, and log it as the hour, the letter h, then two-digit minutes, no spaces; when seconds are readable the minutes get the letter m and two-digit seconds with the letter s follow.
7h18
